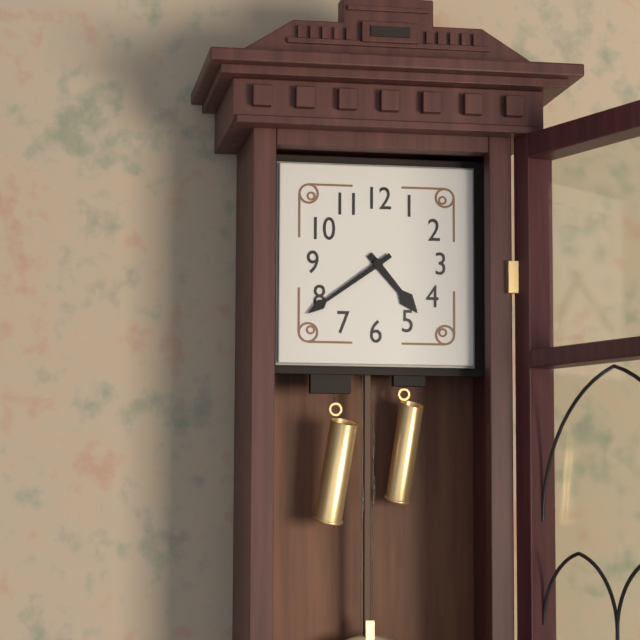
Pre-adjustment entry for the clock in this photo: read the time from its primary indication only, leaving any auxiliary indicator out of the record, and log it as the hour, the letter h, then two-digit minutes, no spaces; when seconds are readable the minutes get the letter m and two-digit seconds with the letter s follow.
4h39
